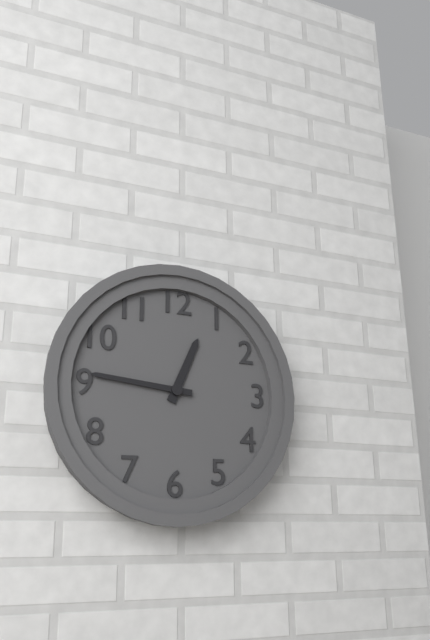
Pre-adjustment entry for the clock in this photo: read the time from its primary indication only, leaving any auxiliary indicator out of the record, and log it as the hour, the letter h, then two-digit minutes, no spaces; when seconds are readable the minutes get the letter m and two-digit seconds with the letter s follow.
12h46
